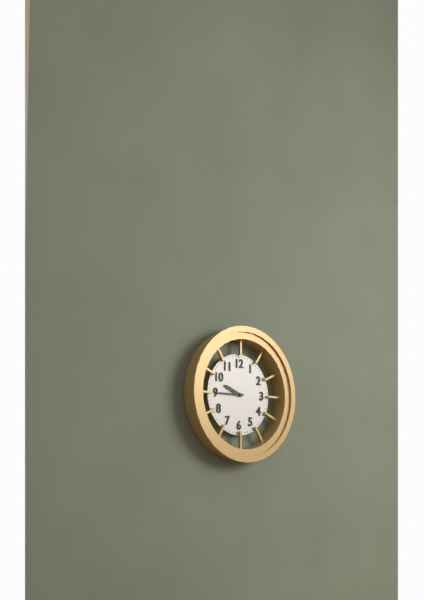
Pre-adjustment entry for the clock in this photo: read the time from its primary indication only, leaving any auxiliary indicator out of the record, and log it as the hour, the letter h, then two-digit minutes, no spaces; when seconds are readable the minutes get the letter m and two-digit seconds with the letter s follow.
9h45
